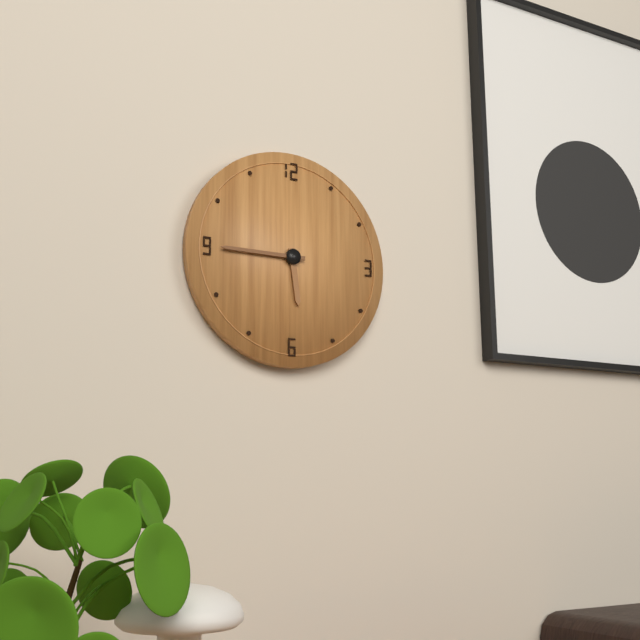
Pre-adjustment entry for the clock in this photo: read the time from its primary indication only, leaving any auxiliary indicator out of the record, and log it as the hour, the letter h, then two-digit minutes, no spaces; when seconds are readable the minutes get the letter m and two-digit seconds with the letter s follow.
5h45
